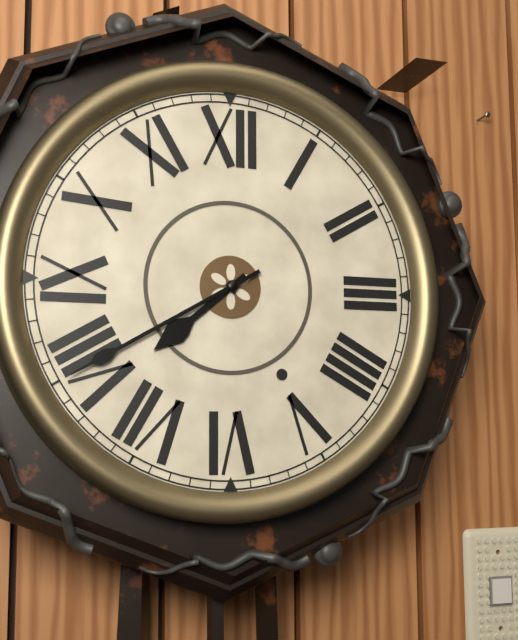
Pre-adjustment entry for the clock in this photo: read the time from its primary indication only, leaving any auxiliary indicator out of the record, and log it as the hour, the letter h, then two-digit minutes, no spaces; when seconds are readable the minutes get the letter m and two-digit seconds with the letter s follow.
7h40
